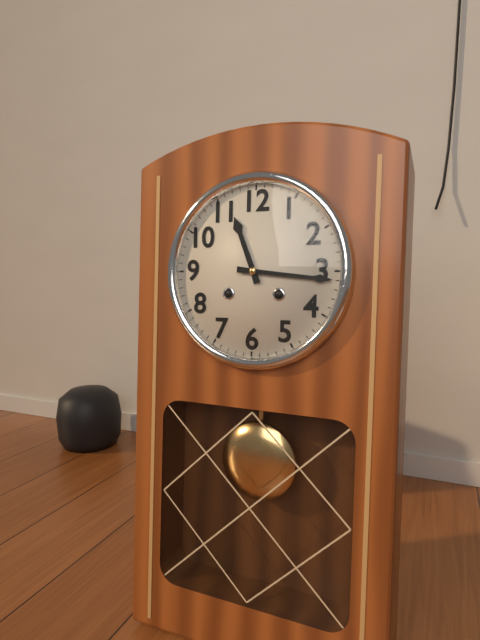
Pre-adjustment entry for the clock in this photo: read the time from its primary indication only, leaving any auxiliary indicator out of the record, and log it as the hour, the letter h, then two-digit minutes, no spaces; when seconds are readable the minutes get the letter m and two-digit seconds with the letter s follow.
11h16
